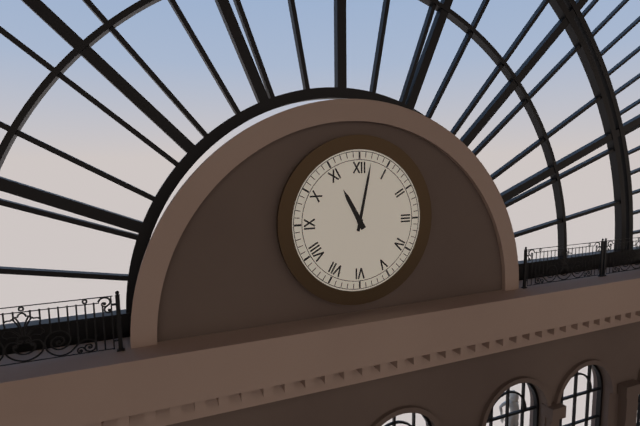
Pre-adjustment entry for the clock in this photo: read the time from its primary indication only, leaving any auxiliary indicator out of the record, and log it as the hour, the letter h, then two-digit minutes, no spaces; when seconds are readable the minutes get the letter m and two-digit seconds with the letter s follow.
11h02
